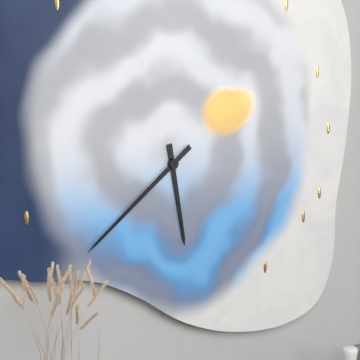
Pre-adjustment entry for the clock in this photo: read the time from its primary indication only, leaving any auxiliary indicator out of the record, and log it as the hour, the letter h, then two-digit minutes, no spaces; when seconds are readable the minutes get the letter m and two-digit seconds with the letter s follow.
5h39
